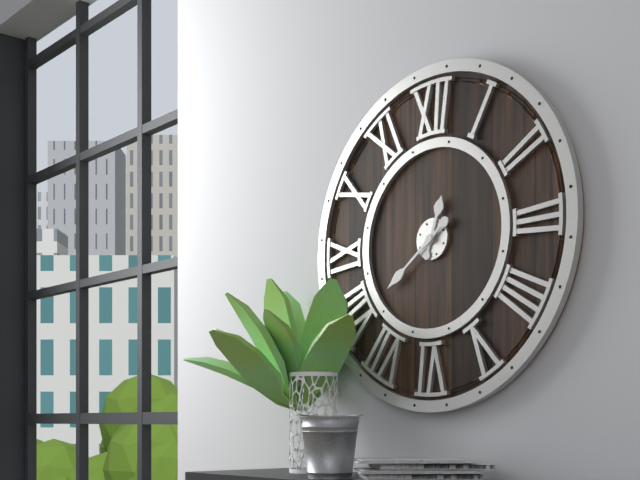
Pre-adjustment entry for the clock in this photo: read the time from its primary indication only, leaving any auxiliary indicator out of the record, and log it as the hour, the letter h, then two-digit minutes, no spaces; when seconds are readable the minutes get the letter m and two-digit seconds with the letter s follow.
12h39
